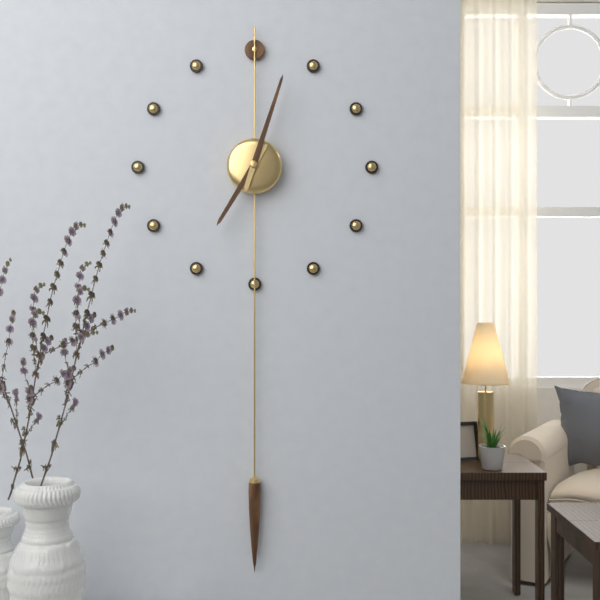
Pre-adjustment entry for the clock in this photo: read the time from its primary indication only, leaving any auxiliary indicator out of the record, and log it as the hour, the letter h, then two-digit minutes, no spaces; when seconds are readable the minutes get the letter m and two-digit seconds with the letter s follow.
7h03
